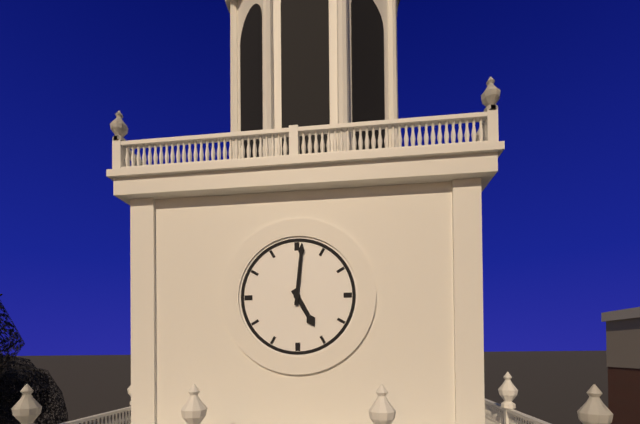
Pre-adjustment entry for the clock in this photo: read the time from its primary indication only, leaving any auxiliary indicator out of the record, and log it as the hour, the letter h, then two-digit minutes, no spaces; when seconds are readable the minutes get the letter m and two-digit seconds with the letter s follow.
5h01
